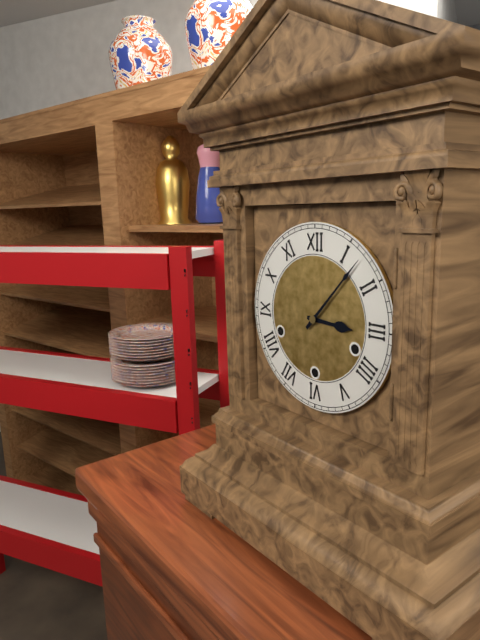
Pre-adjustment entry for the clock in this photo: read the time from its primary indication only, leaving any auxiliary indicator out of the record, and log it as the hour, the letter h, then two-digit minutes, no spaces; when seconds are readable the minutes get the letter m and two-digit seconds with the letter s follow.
3h07
